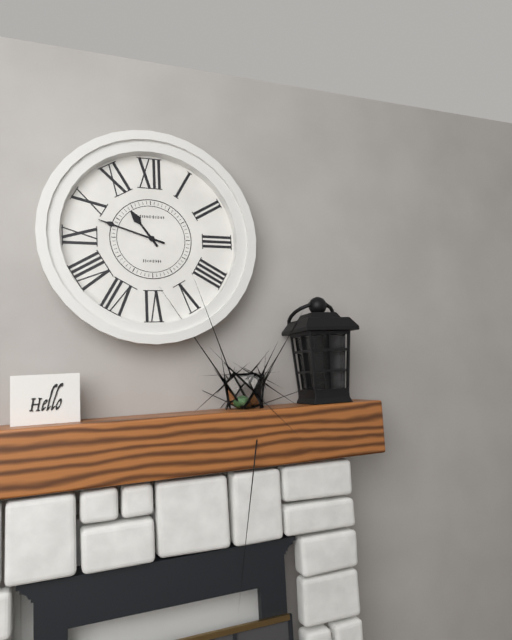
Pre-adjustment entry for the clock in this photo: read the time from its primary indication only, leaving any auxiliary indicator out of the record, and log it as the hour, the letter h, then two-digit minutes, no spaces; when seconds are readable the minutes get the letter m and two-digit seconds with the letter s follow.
10h48
